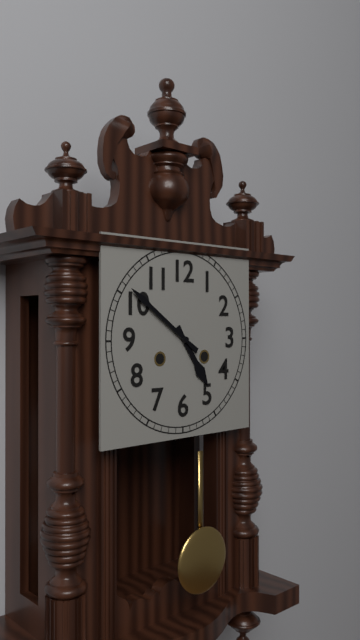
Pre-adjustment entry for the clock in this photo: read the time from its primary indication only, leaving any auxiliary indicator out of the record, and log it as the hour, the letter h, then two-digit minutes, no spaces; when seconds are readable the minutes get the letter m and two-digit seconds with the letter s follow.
4h51
